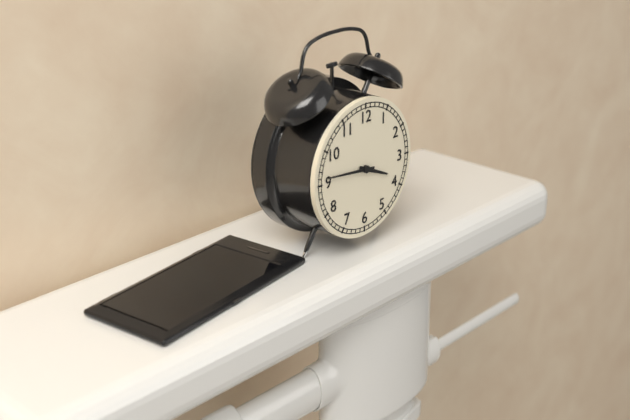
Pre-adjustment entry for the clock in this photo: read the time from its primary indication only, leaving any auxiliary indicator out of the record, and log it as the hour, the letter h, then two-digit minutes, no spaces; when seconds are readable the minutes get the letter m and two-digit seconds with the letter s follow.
3h46
